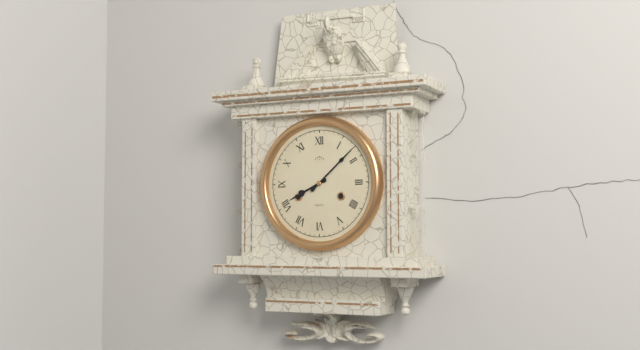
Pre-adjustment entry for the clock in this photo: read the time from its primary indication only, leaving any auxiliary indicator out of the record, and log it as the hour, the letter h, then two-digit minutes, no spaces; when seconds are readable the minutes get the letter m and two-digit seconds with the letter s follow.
8h08
